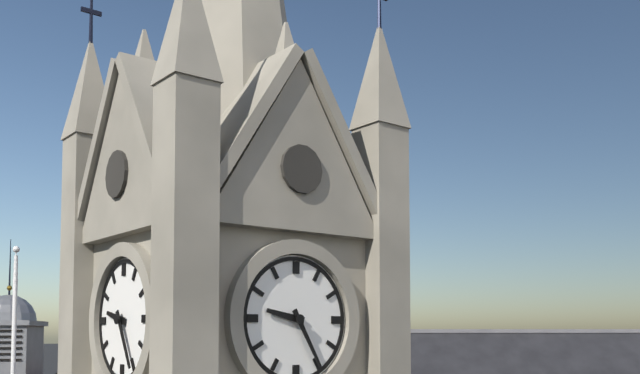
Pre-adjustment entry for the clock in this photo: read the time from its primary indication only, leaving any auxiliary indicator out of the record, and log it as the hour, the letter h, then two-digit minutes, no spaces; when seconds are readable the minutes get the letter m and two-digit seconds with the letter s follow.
9h25
